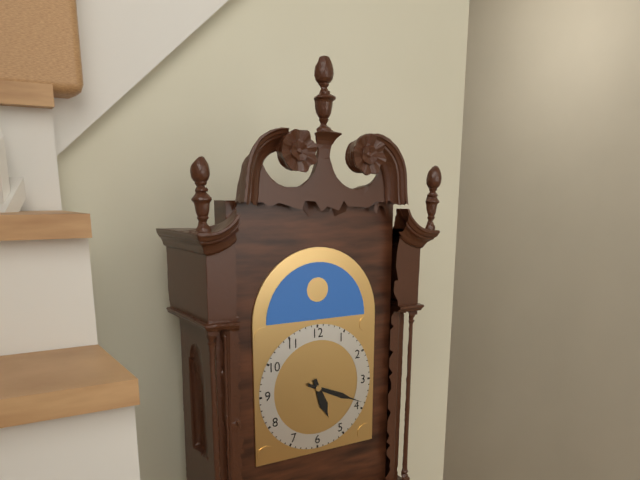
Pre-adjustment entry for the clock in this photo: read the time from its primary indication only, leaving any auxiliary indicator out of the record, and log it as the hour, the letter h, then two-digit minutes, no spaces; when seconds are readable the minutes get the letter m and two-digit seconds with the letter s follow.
5h19
